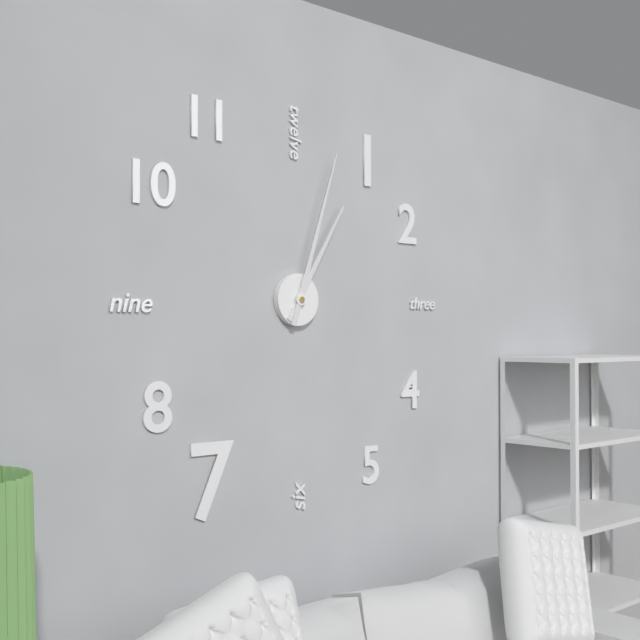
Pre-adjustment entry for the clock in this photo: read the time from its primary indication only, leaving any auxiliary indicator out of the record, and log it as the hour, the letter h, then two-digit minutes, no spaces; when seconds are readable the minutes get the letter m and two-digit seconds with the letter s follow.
1h03
